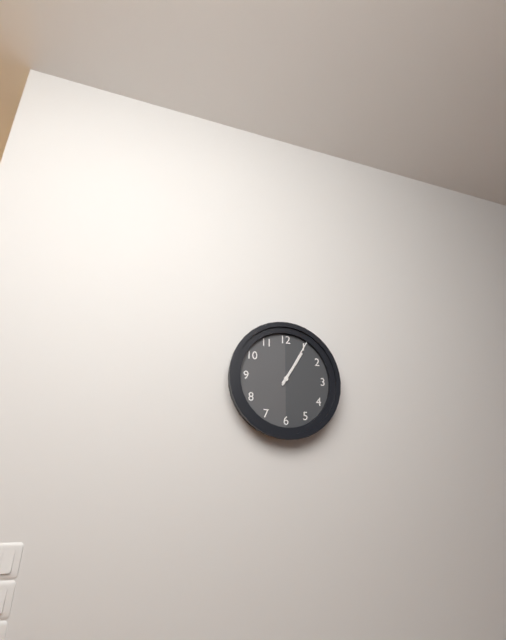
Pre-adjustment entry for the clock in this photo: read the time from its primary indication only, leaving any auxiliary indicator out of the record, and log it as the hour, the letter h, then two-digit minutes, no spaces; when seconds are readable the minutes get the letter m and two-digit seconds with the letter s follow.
1h05
